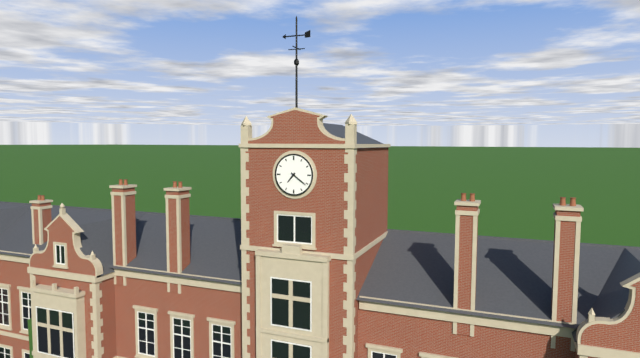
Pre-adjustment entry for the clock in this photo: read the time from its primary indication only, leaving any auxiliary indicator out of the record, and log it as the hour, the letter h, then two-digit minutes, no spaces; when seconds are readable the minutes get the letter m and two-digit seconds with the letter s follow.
7h21
